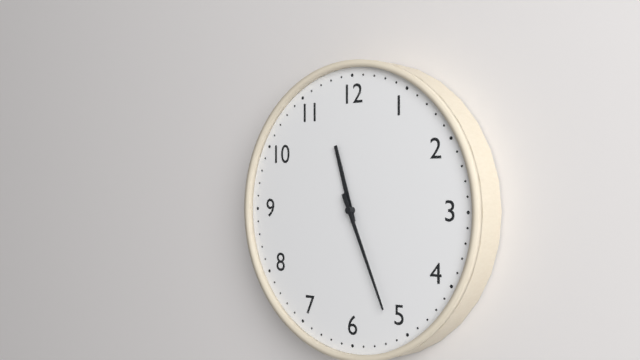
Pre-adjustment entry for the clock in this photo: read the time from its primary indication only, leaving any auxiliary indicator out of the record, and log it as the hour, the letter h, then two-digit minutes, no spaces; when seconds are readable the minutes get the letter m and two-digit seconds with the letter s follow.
11h26
